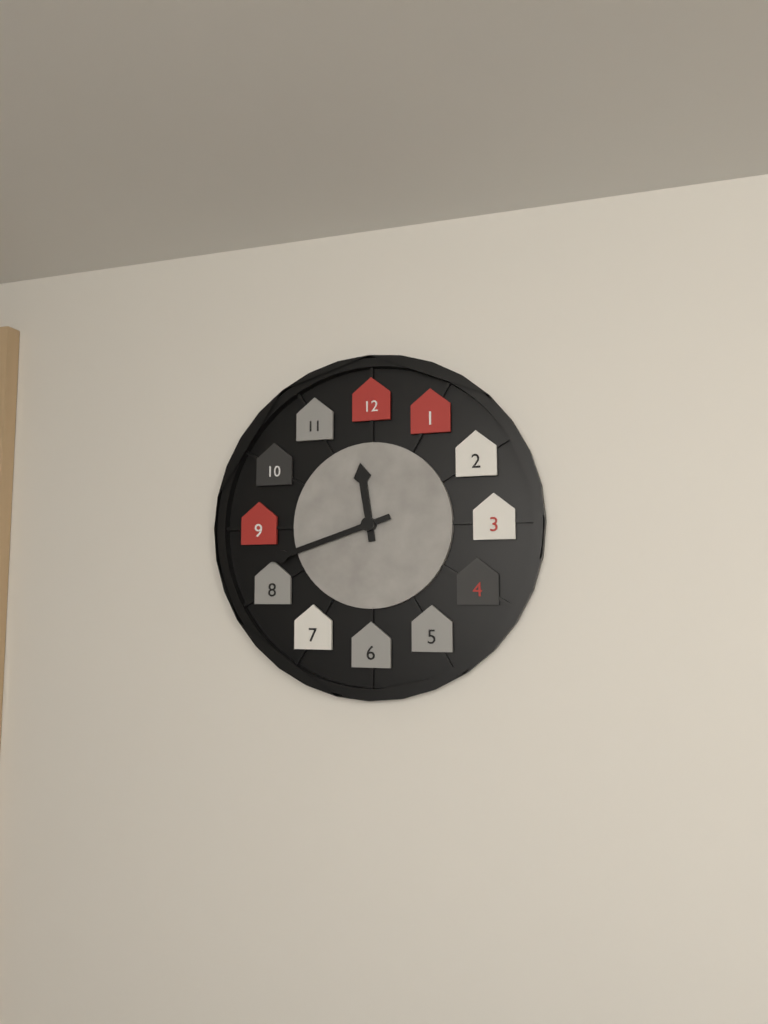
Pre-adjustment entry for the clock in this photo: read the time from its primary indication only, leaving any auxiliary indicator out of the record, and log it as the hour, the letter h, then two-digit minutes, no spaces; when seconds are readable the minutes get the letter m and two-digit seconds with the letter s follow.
11h42
